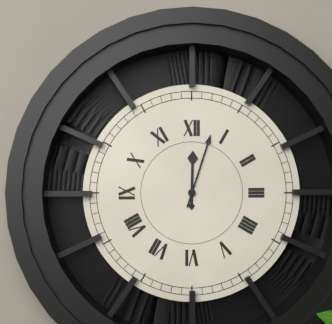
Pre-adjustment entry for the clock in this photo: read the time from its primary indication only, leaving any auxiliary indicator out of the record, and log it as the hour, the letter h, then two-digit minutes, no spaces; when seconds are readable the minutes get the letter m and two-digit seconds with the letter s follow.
12h03
